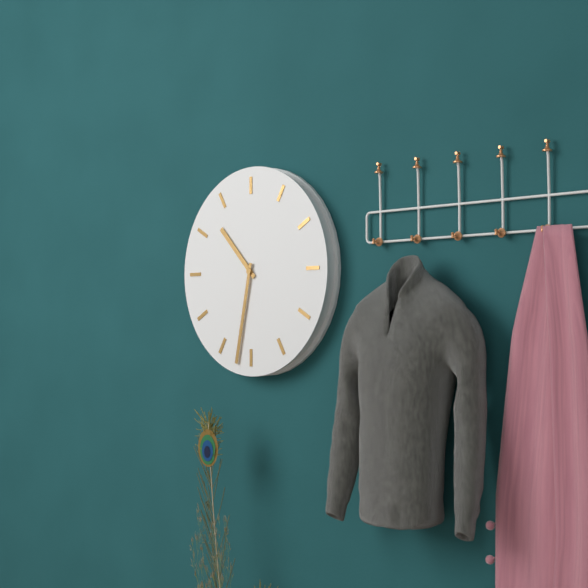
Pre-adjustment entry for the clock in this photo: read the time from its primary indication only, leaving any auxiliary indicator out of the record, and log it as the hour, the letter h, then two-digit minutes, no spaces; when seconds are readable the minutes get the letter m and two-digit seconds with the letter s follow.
10h32
